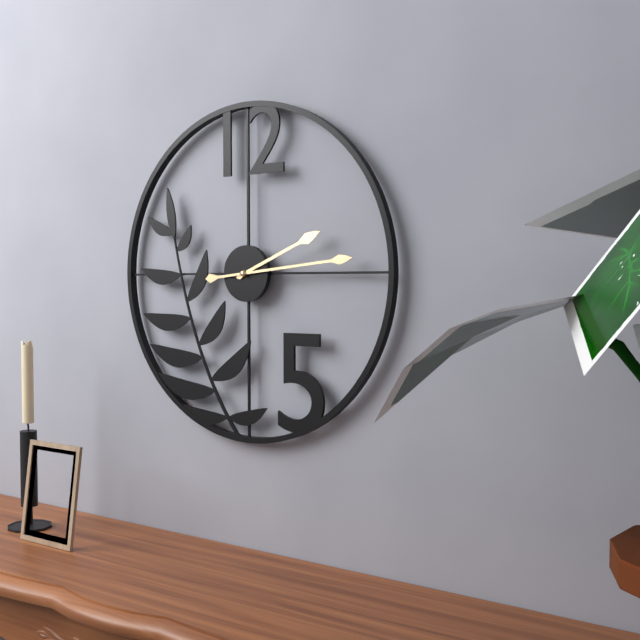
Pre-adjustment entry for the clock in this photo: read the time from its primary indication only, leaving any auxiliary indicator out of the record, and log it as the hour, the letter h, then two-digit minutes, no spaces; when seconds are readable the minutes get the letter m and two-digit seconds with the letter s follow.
2h14
